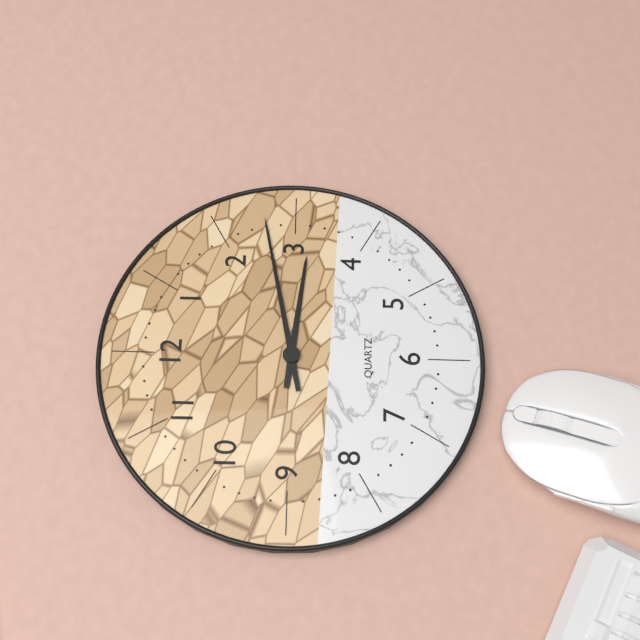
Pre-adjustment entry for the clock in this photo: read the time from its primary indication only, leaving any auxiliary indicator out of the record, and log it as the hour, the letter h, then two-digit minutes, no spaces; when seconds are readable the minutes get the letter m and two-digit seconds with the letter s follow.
3h13
